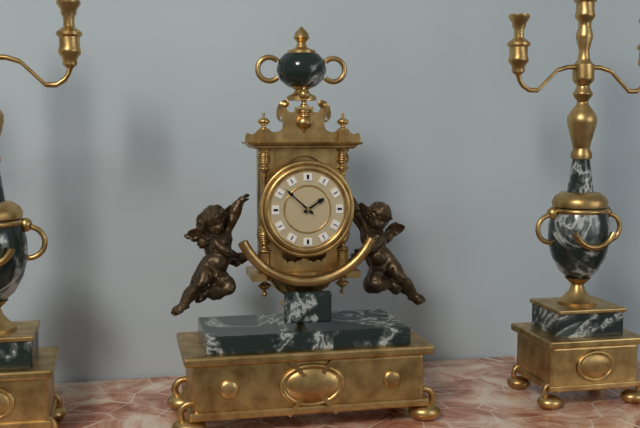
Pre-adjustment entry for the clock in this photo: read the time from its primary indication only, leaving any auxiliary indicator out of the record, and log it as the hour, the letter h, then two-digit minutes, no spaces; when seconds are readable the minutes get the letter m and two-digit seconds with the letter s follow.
1h52
